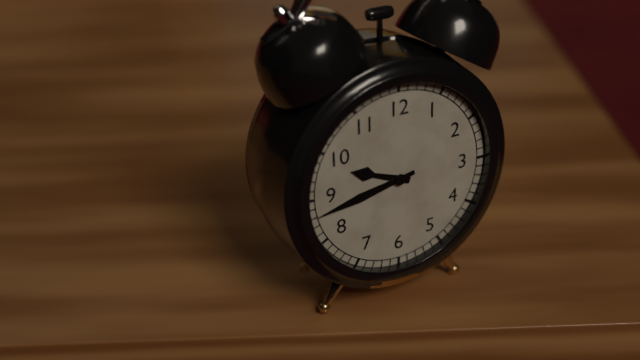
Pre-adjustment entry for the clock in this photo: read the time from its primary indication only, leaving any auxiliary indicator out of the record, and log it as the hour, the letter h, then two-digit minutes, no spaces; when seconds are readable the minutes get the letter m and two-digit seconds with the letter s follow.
9h43
